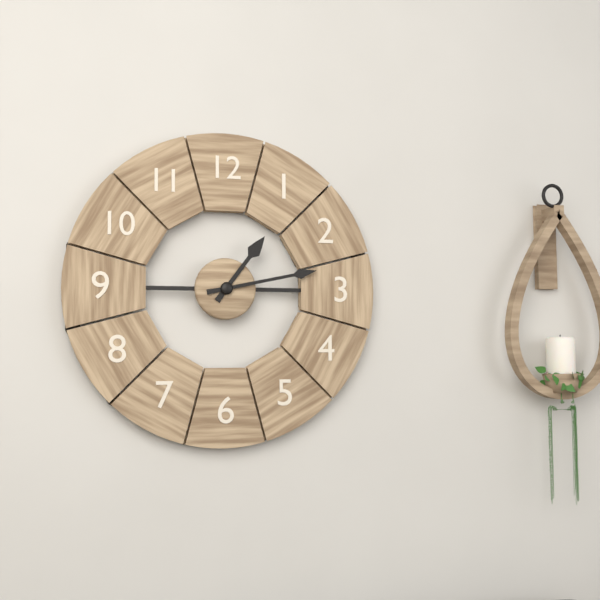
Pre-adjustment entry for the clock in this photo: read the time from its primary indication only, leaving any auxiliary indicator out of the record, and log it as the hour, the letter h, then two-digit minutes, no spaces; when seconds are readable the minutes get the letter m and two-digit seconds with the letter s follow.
1h13
